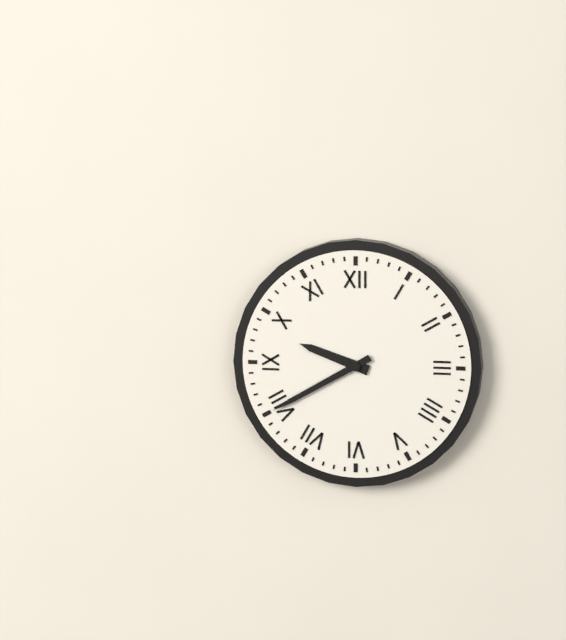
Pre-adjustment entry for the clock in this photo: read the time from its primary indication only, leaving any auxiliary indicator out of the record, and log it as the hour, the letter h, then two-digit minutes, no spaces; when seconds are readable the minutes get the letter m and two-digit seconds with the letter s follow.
9h40
